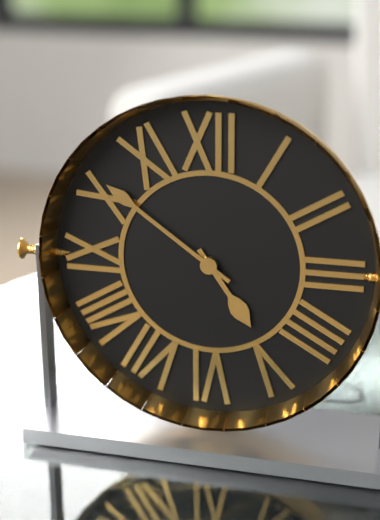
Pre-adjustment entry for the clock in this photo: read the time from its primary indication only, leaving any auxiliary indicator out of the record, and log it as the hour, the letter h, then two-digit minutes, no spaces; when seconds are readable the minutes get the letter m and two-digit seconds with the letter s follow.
4h51
